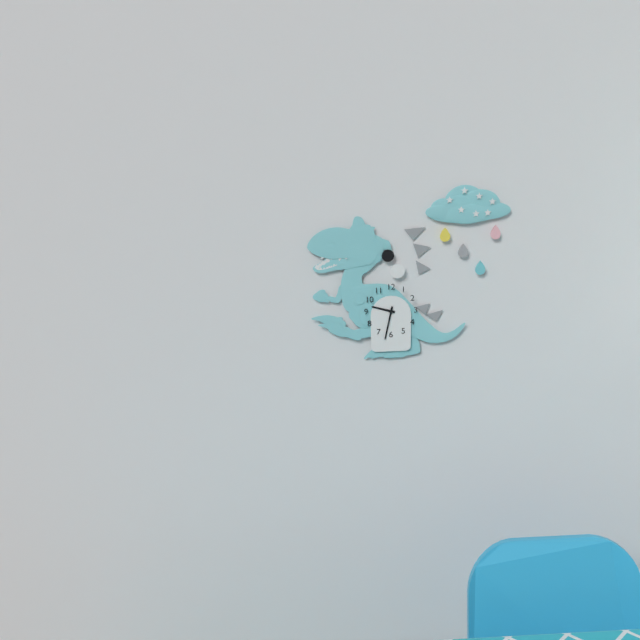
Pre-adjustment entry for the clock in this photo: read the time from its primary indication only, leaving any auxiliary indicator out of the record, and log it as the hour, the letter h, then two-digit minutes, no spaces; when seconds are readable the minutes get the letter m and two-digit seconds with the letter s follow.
9h32
